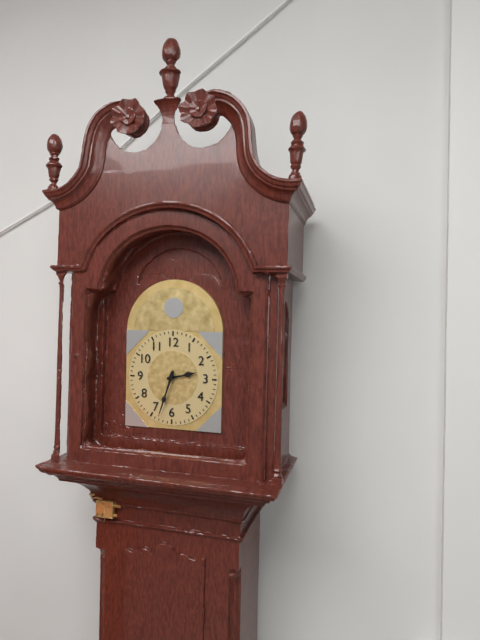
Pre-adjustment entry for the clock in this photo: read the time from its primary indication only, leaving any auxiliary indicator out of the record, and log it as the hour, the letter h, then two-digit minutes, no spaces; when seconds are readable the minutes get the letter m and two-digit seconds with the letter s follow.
2h33
